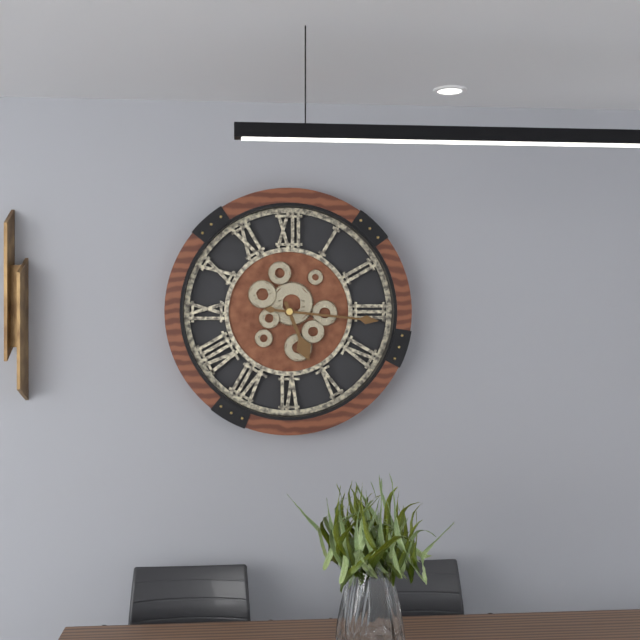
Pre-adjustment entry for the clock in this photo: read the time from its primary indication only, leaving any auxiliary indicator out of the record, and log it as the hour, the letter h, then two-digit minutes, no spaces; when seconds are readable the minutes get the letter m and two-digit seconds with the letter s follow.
5h16
